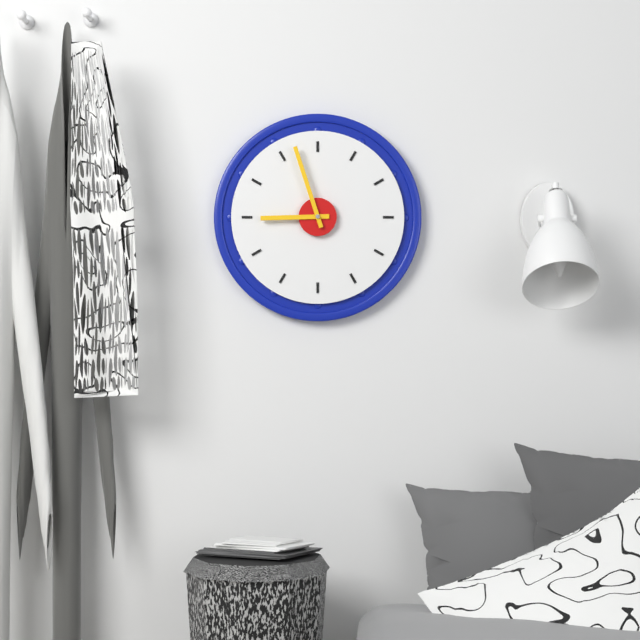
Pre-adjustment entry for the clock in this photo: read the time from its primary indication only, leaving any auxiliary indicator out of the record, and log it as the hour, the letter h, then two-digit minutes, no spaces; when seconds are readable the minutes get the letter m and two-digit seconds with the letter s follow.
8h57
